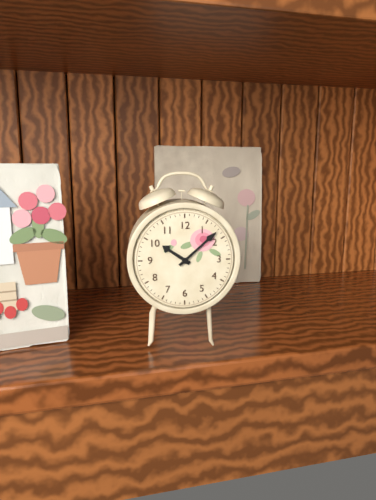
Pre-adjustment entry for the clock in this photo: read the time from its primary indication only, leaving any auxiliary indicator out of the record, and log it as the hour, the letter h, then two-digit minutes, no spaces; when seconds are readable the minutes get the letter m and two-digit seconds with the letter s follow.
10h08
